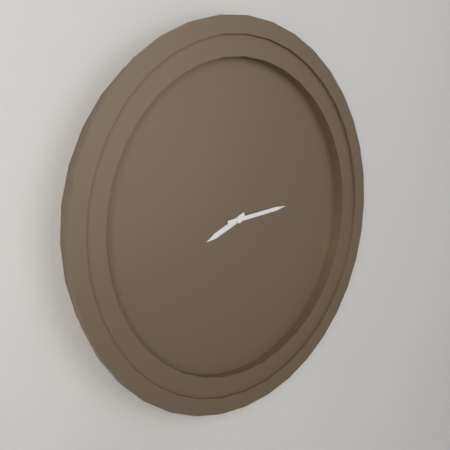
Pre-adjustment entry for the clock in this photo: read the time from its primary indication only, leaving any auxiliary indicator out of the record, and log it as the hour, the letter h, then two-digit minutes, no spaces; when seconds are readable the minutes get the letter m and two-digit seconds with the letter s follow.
8h14
